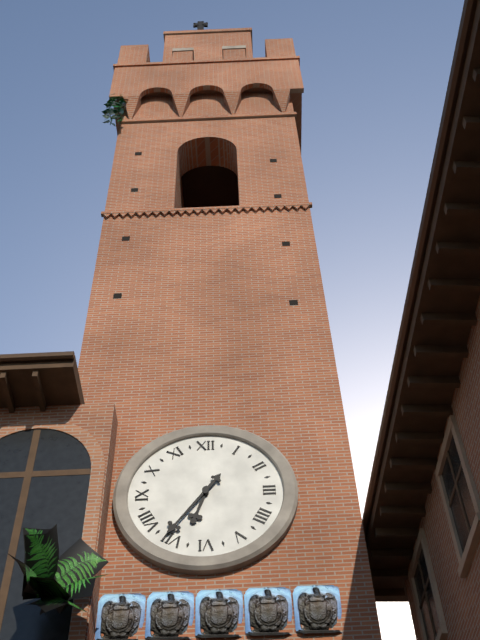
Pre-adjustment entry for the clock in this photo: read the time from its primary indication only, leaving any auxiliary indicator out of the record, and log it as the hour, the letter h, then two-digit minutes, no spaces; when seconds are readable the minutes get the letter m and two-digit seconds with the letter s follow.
6h36
